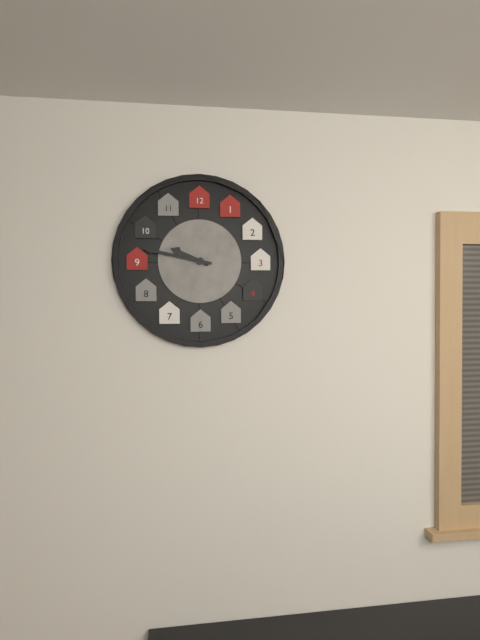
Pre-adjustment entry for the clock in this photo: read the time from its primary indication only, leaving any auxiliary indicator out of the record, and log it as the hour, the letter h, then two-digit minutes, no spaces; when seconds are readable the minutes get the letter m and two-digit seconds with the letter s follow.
9h47
